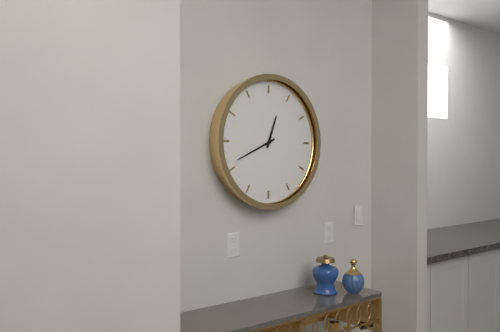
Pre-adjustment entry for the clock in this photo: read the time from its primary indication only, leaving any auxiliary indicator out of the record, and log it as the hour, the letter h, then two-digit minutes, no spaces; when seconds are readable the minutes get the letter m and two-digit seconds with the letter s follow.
12h41
